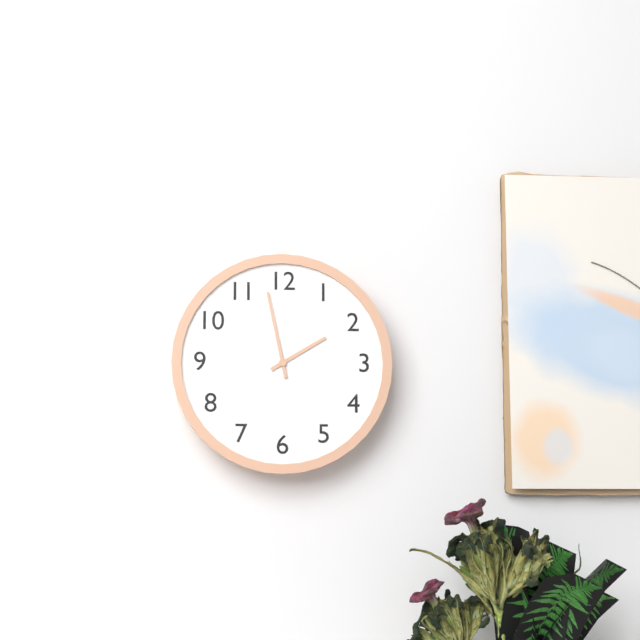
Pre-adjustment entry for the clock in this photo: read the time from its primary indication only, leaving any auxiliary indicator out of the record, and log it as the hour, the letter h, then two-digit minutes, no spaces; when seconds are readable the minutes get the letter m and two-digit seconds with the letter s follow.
1h58
